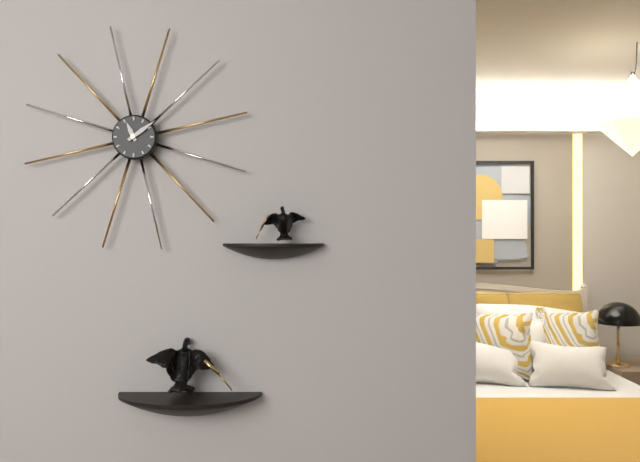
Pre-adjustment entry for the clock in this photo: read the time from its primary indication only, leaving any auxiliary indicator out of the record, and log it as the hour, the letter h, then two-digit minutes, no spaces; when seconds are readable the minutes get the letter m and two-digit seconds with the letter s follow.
11h09
